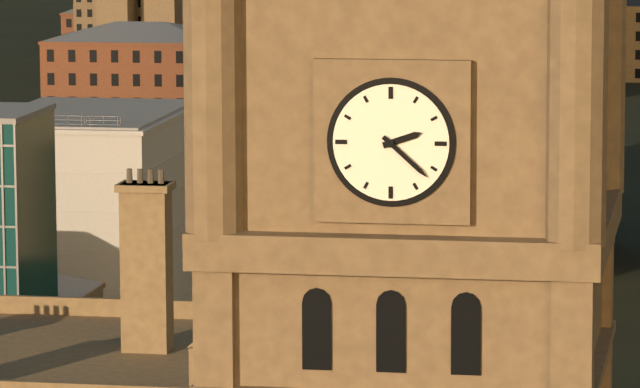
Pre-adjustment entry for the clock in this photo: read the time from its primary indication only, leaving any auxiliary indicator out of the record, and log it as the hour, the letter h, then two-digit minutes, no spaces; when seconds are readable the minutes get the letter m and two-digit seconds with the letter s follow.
2h22
